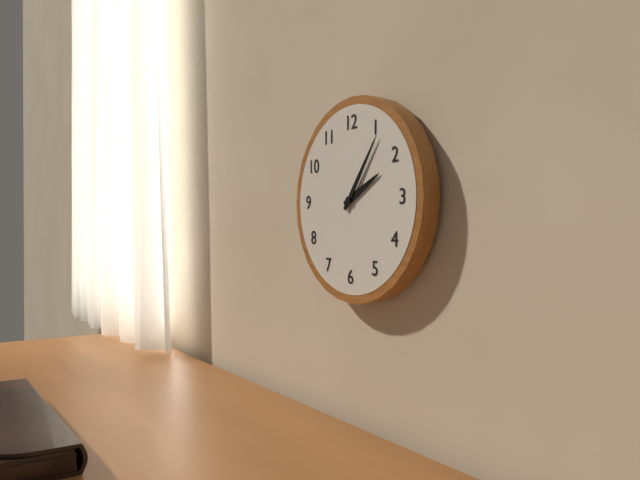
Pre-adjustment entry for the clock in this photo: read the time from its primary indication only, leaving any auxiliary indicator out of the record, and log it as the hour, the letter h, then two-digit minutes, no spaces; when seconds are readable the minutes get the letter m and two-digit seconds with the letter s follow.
2h06
